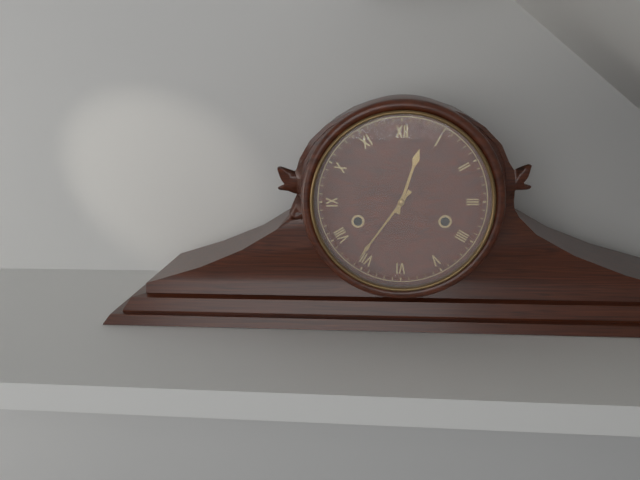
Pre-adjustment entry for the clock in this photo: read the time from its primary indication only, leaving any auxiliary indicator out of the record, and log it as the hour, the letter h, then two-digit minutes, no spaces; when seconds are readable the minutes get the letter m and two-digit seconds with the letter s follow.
12h36
